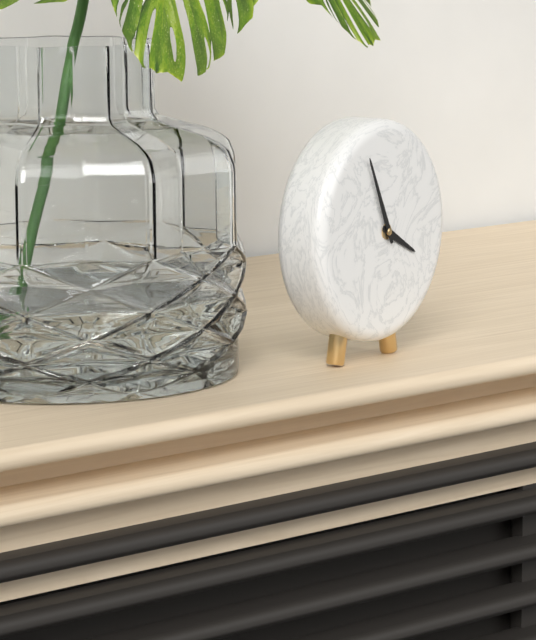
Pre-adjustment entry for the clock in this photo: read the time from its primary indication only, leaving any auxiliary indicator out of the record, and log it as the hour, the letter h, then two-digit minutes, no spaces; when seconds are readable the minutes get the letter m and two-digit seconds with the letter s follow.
3h56
